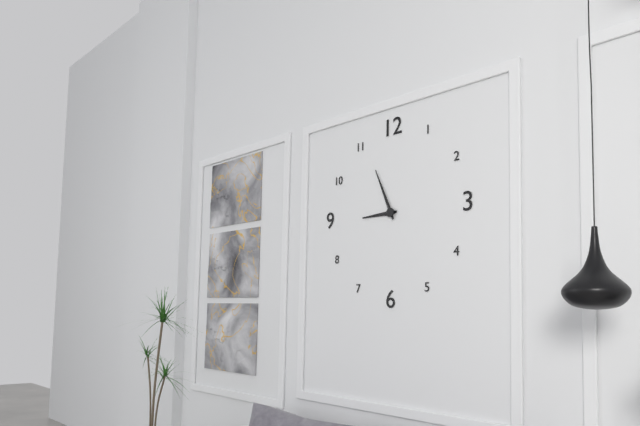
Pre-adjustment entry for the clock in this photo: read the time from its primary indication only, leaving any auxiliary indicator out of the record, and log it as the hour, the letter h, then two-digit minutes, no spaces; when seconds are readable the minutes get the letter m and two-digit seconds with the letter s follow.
8h56
